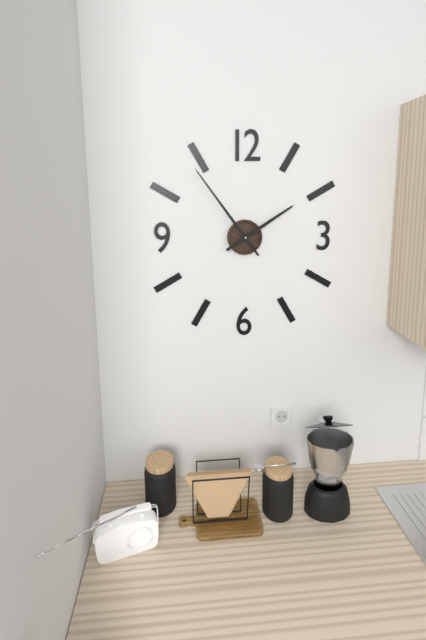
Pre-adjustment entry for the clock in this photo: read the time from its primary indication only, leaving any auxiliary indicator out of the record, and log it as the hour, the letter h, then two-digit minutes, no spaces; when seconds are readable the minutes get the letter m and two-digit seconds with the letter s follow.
1h54
